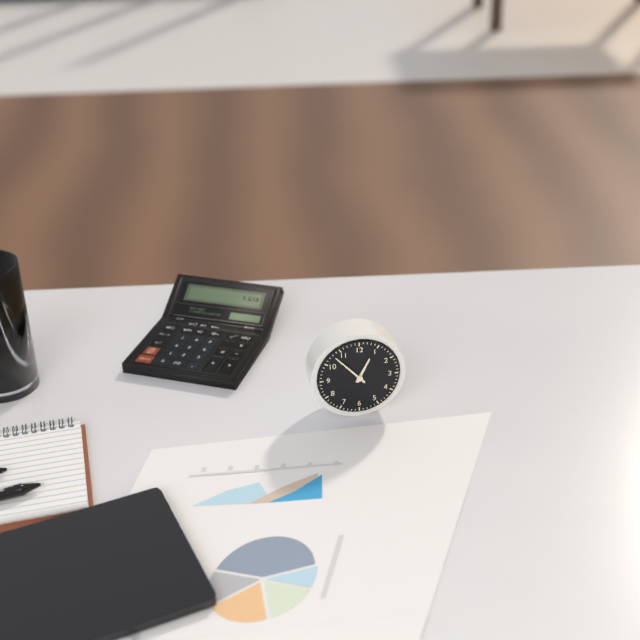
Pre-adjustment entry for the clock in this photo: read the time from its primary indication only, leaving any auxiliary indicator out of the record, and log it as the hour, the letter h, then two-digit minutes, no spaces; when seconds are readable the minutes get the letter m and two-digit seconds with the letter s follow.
12h53
